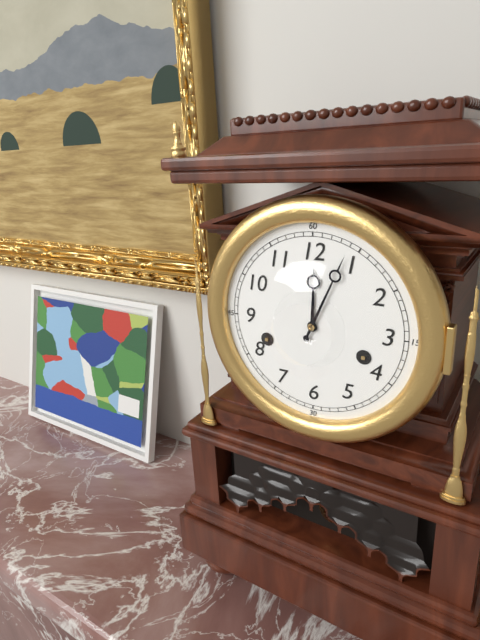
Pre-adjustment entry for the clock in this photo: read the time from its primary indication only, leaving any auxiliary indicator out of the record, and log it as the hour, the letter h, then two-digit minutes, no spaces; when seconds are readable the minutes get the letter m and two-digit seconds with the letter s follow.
12h04
